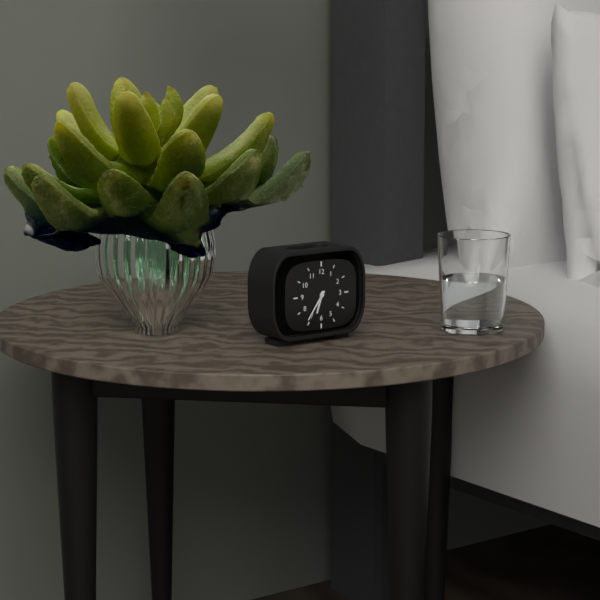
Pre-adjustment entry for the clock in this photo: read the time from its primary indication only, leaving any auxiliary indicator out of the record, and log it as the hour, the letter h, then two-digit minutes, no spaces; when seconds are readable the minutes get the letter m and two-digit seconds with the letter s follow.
6h36
